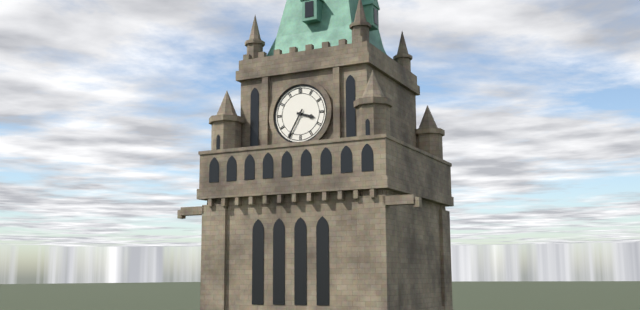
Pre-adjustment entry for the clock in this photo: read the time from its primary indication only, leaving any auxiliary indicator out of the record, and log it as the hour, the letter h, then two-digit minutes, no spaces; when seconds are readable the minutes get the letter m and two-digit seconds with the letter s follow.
3h35
